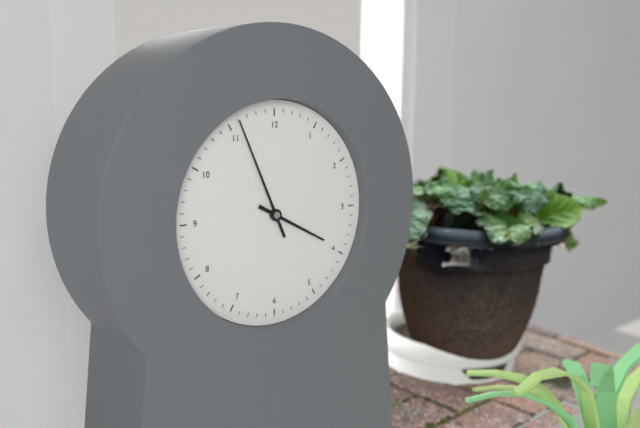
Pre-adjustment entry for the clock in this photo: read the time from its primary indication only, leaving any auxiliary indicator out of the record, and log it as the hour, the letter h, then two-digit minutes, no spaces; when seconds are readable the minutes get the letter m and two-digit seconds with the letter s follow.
3h56
